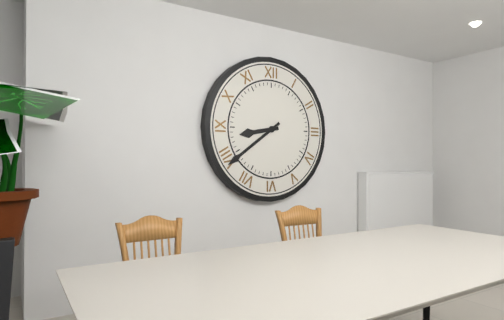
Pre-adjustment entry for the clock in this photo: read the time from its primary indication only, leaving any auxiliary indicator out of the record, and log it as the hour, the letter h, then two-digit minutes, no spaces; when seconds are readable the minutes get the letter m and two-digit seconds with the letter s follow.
8h39
